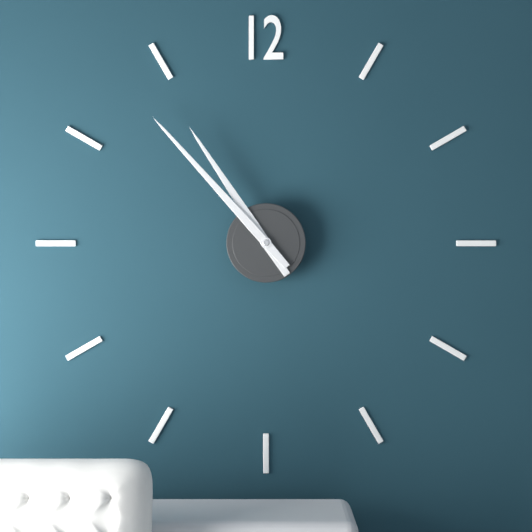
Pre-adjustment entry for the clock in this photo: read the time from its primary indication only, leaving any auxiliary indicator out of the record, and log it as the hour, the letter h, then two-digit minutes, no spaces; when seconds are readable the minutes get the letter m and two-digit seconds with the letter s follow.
10h53
